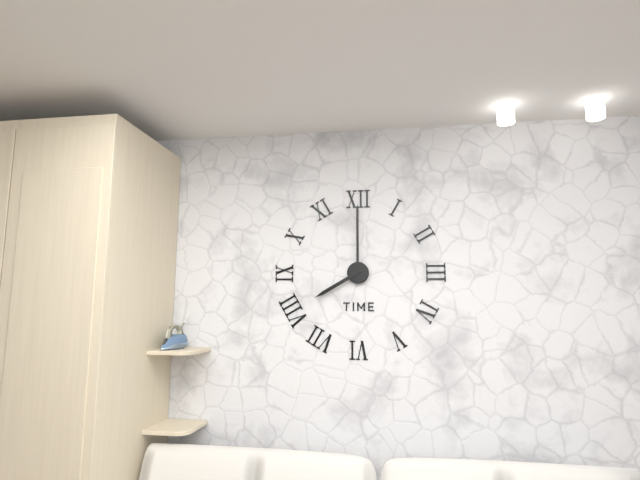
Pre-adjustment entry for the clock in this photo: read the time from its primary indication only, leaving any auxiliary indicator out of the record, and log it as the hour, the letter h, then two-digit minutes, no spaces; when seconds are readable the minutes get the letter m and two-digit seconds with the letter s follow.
8h00
